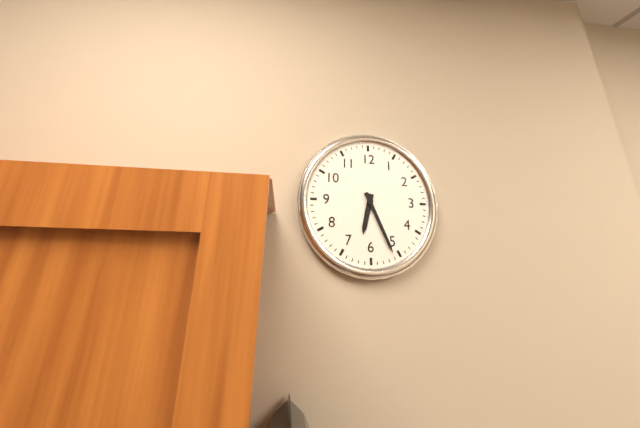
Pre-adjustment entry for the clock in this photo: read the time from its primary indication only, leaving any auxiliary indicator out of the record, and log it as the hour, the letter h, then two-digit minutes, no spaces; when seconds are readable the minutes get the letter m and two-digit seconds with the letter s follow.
6h26
